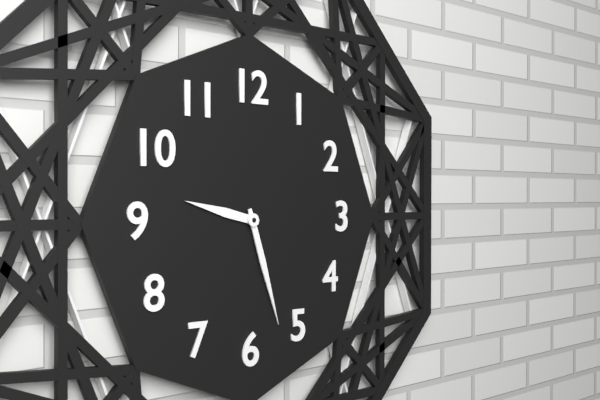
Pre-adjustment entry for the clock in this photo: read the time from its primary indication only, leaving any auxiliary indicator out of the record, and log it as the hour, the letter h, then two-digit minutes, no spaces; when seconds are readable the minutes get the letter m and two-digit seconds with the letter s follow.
9h27
